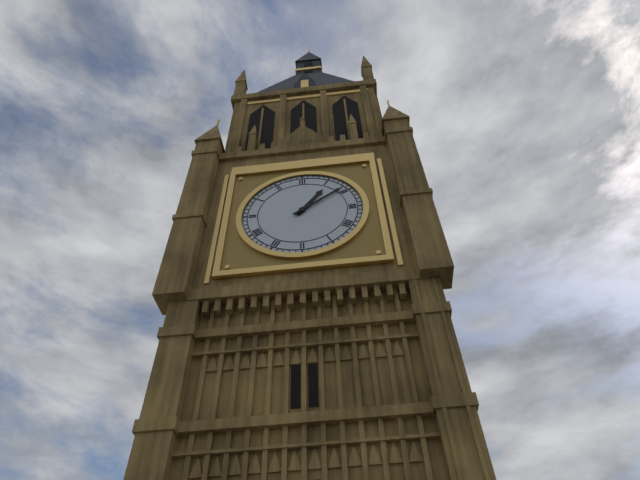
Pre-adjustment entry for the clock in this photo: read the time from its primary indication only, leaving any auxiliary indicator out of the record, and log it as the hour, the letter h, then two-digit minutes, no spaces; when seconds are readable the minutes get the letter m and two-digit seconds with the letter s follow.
1h09
